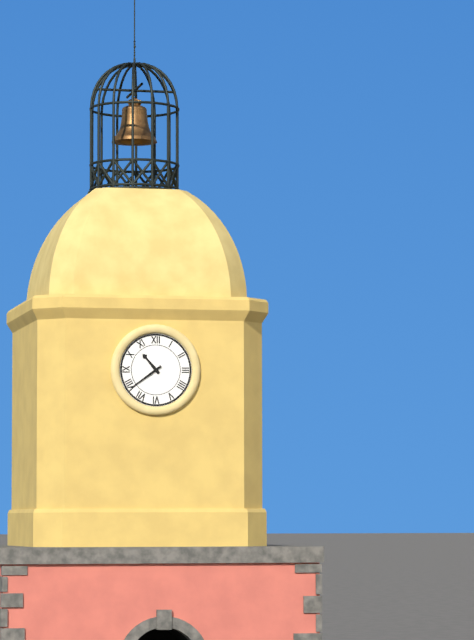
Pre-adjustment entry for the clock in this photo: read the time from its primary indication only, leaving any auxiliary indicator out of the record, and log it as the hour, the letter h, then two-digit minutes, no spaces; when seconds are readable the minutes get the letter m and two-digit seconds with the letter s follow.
10h39
